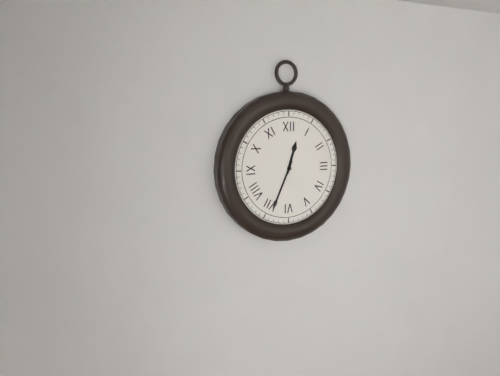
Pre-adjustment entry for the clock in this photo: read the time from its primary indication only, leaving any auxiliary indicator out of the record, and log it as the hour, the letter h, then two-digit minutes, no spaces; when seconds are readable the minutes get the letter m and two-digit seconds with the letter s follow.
12h34
